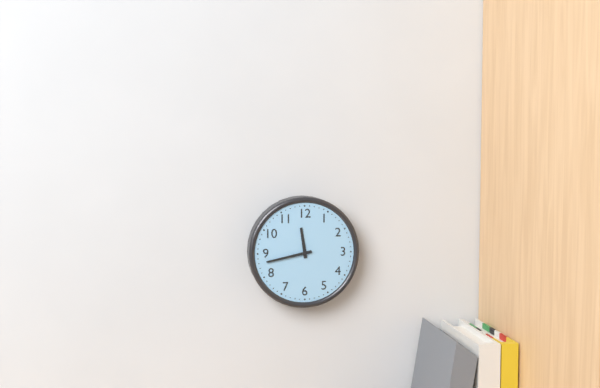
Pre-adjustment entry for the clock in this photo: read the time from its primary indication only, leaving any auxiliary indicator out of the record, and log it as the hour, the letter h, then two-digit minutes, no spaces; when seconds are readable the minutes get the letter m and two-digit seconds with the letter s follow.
11h43
